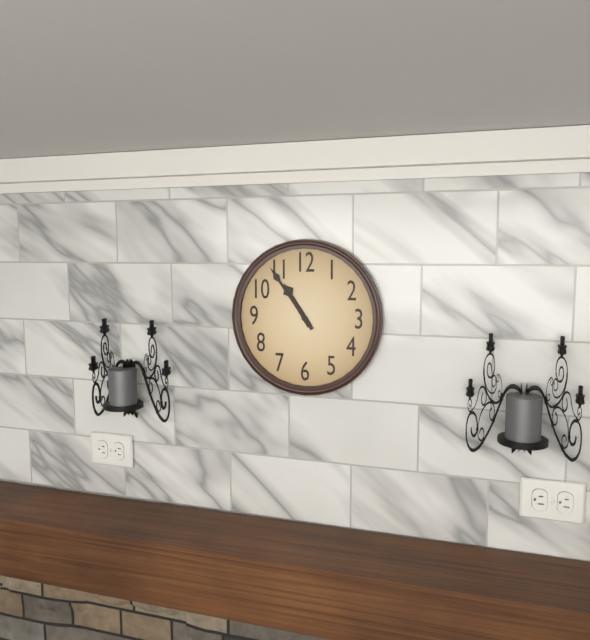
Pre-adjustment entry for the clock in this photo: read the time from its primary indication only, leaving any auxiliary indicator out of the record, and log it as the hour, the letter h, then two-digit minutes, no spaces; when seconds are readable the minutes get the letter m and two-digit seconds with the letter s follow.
10h54
